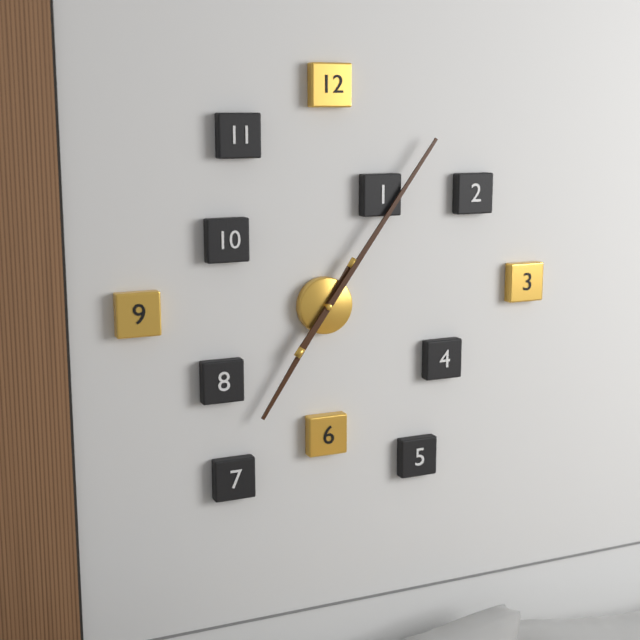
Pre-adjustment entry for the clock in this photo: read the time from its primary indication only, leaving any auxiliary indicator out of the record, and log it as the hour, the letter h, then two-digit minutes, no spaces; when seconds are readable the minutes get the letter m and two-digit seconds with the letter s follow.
7h06
